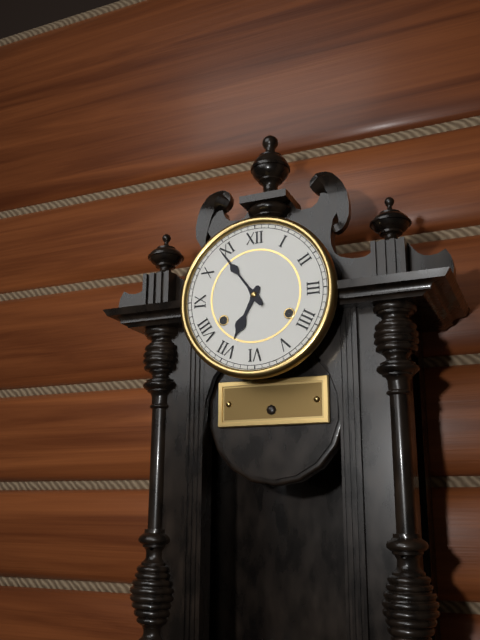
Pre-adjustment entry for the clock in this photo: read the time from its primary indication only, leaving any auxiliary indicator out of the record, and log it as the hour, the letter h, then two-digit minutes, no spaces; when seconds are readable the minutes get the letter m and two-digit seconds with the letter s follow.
6h54
